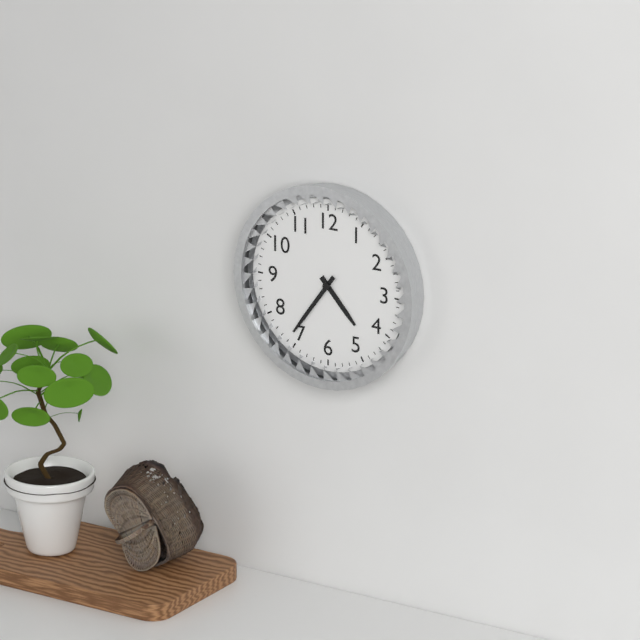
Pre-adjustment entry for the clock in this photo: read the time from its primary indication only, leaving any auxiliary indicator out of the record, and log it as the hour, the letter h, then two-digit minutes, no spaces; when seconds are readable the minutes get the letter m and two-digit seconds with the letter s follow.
4h36
